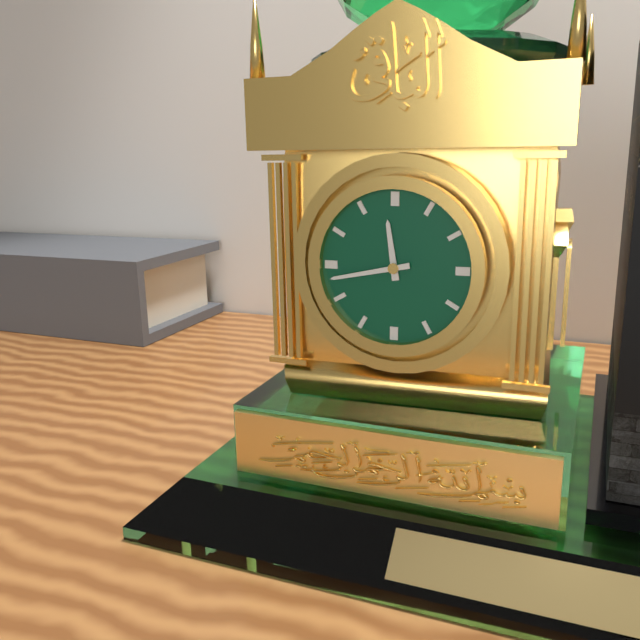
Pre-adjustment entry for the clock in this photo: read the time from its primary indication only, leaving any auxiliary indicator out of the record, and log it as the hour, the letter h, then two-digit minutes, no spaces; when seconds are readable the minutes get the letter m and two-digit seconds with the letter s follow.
11h43
